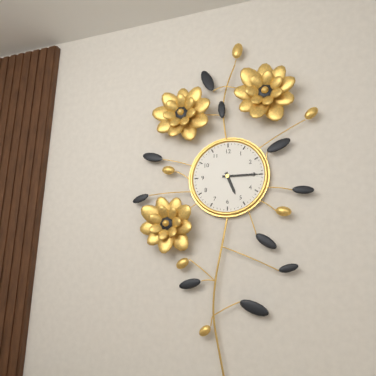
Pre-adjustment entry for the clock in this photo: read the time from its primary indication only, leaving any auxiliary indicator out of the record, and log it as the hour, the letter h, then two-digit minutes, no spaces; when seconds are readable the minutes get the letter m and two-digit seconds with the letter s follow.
5h15
